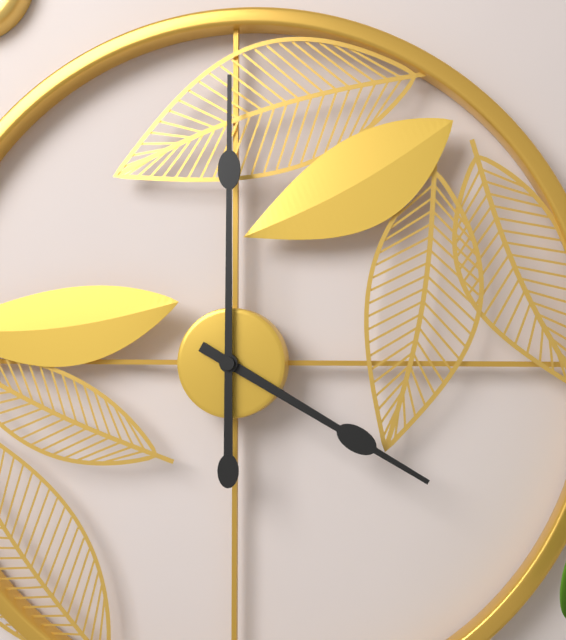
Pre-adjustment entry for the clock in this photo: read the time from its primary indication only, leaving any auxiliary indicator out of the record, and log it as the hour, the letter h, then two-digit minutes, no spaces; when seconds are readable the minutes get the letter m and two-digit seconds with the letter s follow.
4h00
